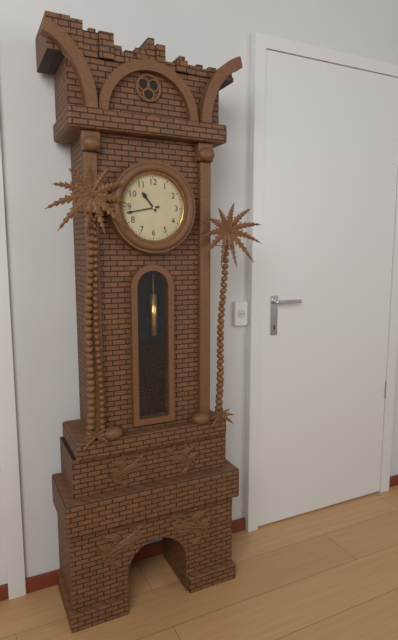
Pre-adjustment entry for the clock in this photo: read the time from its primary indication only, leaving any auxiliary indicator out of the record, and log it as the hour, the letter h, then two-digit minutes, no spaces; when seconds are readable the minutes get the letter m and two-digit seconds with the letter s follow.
10h43
